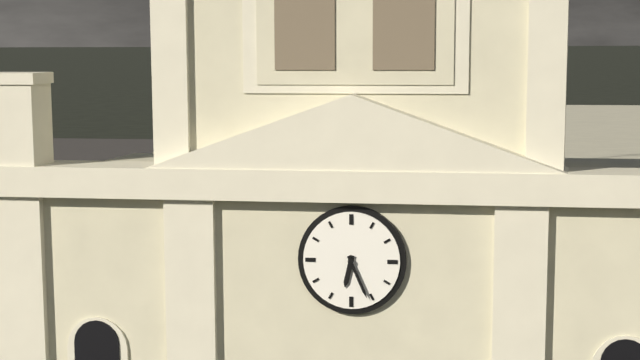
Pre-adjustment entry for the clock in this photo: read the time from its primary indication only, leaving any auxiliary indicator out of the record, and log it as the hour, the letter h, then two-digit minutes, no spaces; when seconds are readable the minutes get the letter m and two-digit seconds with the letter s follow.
6h26
